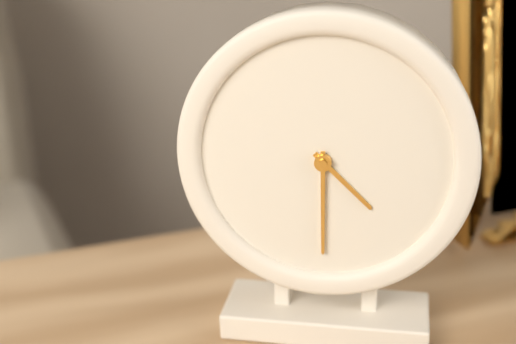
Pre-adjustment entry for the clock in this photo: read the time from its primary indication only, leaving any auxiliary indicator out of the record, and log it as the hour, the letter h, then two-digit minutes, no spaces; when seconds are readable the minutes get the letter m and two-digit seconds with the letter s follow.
4h30
